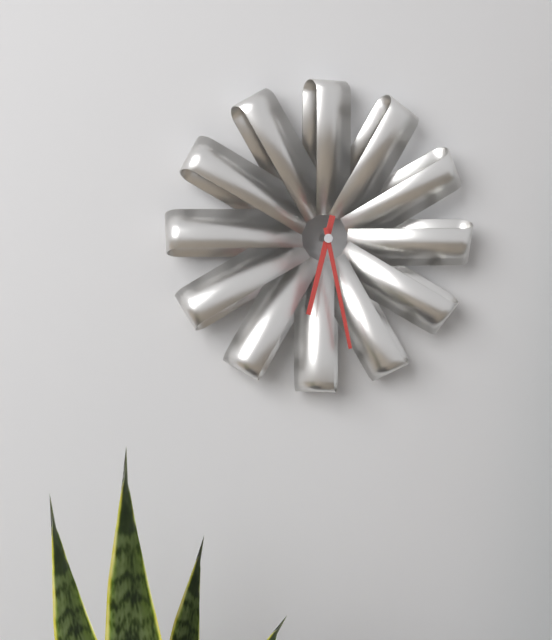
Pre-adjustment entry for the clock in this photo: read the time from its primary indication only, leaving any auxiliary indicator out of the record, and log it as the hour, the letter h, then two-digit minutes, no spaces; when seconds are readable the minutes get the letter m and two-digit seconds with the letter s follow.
6h28
